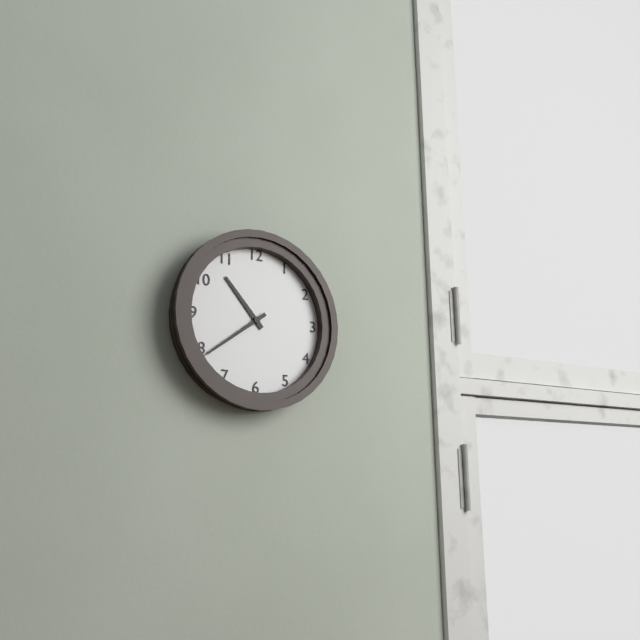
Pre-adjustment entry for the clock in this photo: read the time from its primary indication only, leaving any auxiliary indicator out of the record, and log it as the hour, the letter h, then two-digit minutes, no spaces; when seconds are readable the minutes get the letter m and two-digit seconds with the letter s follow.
10h39
